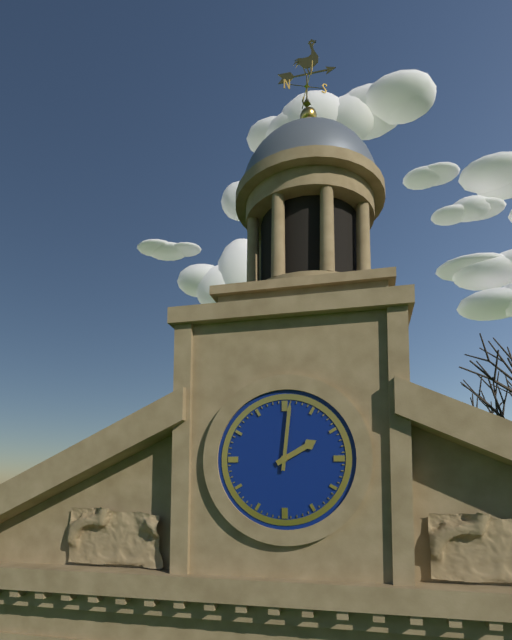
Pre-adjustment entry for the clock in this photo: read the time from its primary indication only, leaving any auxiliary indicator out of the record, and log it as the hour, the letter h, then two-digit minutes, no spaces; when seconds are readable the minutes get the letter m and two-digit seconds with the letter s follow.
2h01
